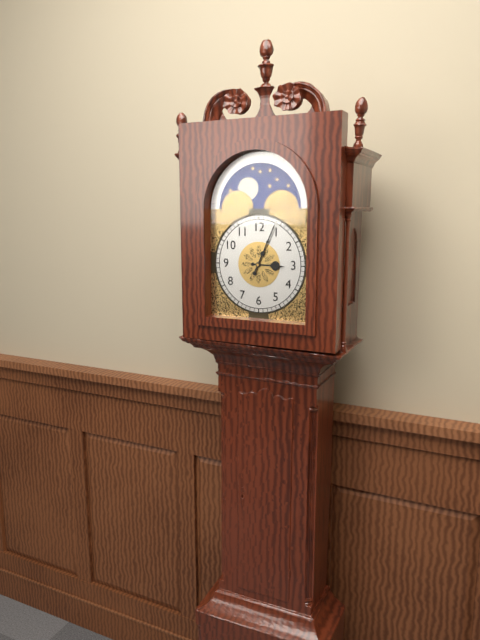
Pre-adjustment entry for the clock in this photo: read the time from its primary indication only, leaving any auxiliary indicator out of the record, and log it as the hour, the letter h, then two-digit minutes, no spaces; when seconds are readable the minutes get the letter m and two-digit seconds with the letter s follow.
3h04
